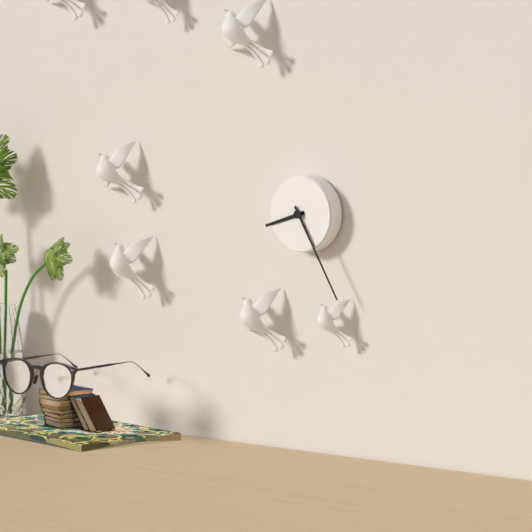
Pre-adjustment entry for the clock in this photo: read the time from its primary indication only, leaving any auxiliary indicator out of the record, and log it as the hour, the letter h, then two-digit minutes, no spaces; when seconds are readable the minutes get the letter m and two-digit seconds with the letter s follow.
8h25
